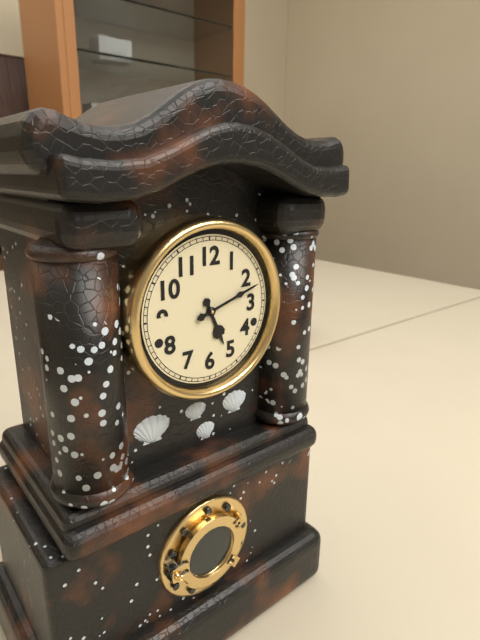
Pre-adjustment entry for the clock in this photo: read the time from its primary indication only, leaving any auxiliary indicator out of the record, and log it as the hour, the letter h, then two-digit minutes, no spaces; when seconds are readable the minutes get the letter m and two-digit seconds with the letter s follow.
5h12
